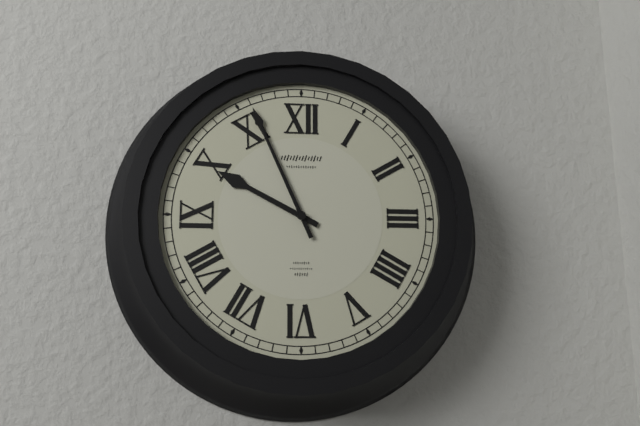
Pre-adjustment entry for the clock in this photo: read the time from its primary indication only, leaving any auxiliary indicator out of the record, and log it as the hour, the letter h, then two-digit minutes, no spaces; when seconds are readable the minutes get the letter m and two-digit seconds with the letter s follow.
9h56
